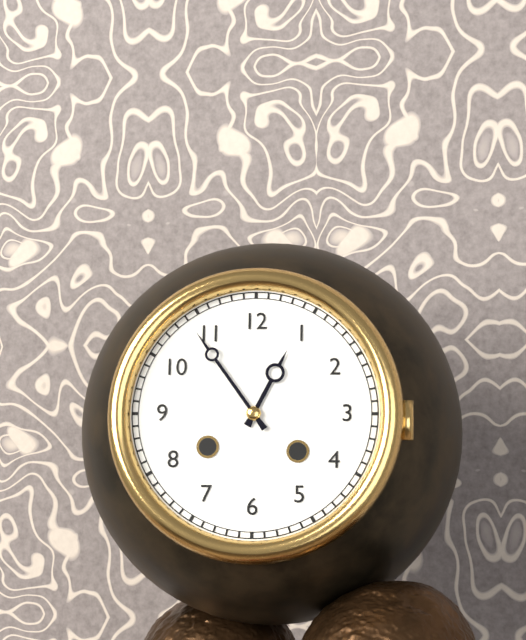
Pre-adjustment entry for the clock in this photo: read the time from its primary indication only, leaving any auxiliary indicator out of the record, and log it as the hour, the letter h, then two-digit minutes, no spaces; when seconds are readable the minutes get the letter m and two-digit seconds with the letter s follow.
12h54
